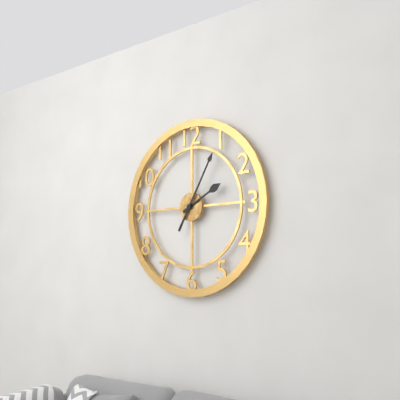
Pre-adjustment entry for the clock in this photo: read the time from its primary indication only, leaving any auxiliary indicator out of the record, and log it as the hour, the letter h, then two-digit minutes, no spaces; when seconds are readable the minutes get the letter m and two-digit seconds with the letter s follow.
2h05
